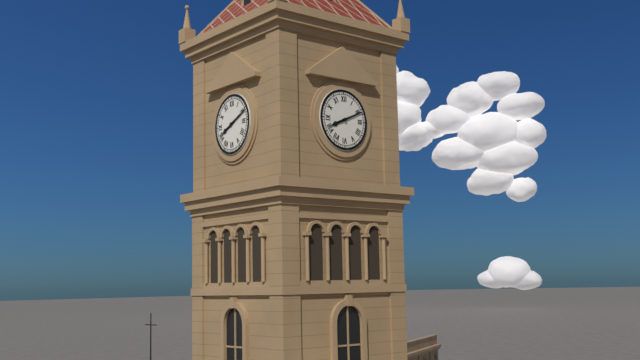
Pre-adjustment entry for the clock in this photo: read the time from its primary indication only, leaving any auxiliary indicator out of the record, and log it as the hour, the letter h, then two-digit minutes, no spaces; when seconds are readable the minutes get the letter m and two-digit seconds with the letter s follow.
8h11
